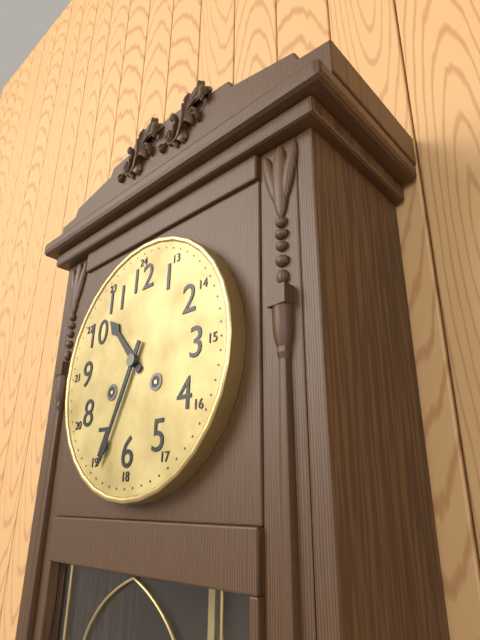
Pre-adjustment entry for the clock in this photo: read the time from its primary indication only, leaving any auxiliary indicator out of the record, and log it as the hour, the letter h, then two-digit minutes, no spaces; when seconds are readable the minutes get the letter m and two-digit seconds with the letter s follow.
10h34
